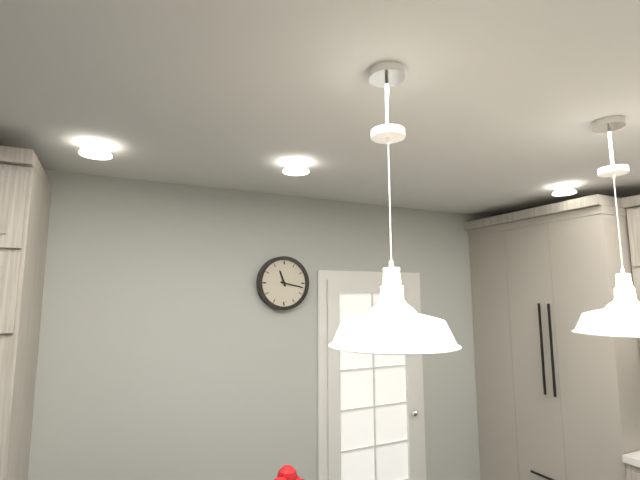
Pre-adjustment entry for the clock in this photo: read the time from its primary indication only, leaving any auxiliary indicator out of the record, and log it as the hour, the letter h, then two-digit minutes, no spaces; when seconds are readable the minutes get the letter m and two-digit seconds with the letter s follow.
11h17
